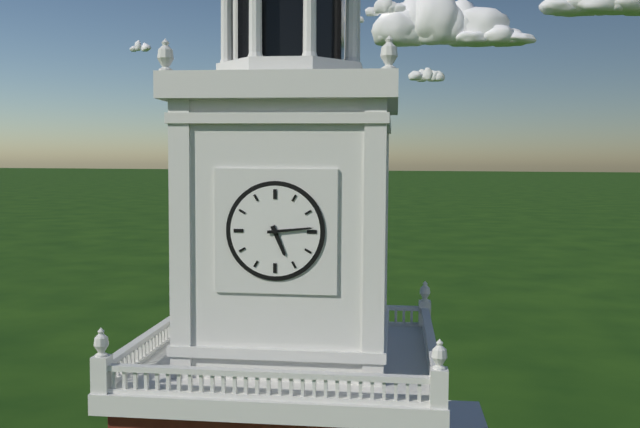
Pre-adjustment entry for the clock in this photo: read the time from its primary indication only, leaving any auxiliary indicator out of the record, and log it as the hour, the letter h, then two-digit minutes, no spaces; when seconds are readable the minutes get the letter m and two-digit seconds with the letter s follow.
5h14
